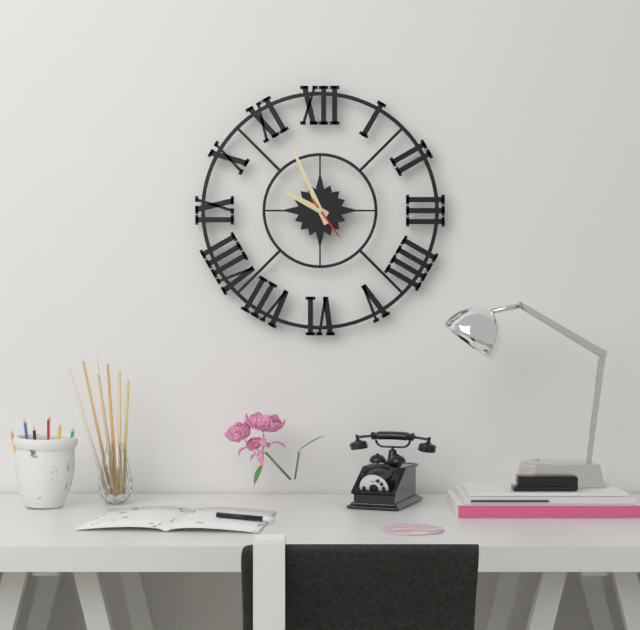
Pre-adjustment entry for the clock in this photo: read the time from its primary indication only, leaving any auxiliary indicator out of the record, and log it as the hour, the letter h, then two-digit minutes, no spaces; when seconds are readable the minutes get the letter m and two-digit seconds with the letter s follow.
9h56
